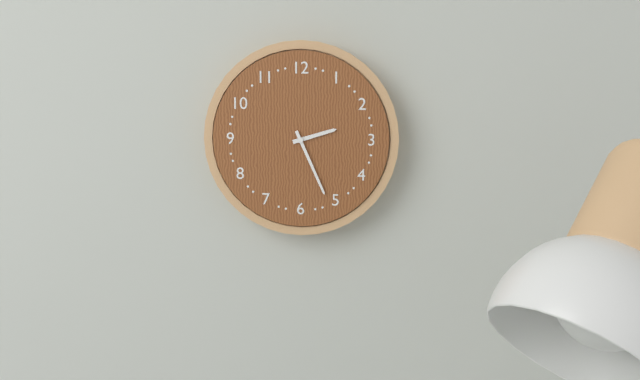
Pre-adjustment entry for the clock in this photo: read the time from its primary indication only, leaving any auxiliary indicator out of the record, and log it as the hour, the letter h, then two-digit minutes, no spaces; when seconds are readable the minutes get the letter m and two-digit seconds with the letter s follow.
2h26
